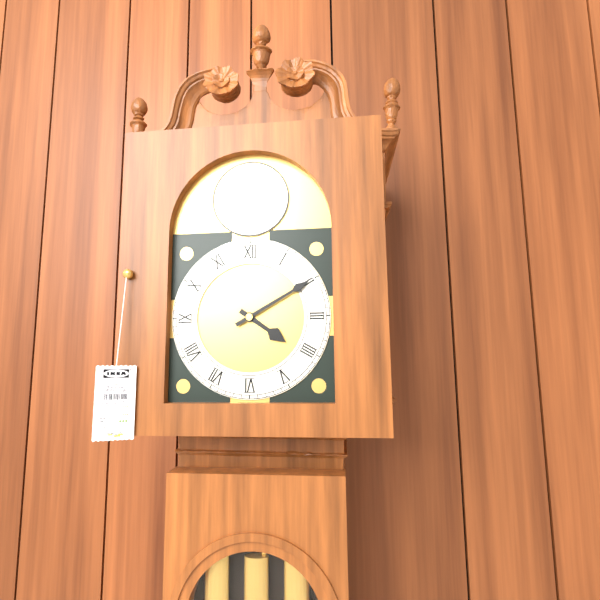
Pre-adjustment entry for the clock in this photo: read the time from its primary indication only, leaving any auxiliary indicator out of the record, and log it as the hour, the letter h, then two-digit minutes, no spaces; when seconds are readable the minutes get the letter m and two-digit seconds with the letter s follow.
4h10
